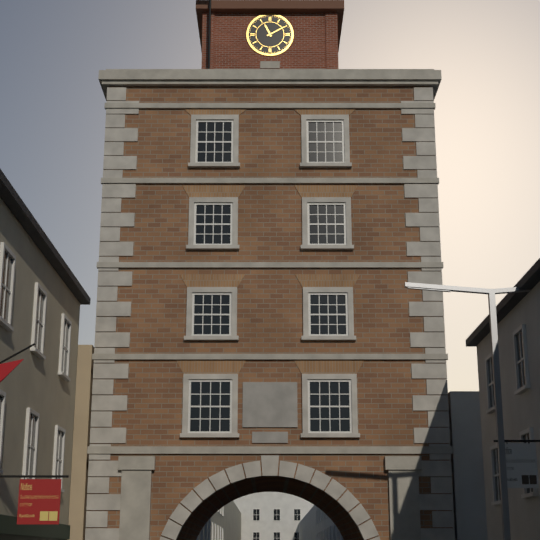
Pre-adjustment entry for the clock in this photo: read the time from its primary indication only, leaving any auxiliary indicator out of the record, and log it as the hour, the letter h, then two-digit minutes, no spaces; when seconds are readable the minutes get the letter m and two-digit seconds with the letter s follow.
11h10
